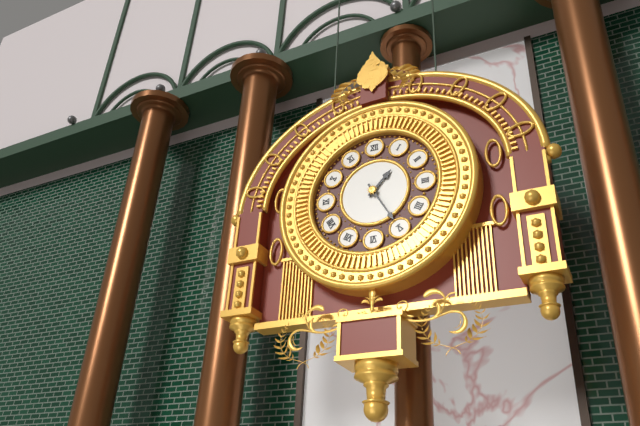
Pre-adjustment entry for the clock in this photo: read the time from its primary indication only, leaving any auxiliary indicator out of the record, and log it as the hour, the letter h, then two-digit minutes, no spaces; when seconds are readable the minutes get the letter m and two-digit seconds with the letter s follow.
1h25
